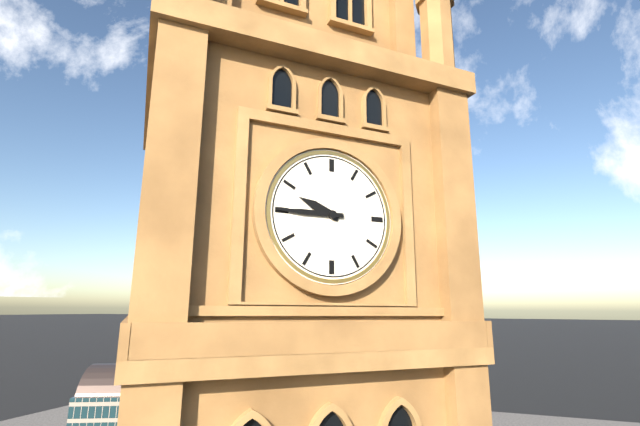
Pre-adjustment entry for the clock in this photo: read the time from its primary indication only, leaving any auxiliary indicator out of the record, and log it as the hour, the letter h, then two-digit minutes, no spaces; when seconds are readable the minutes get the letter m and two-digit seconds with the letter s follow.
9h45
